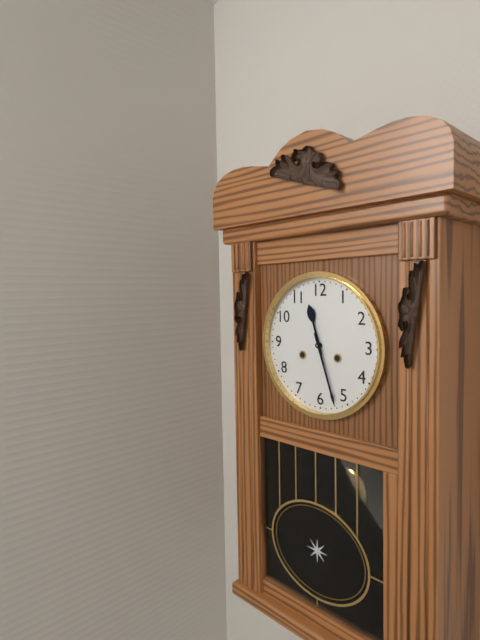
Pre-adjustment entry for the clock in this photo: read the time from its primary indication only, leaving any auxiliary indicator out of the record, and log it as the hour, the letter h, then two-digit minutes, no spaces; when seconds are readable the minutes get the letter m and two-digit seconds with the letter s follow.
11h27
